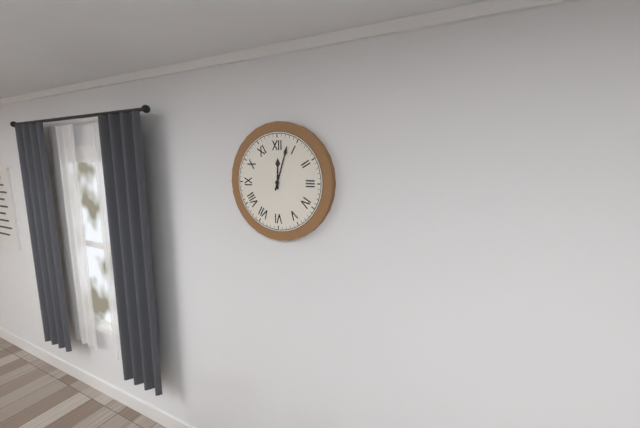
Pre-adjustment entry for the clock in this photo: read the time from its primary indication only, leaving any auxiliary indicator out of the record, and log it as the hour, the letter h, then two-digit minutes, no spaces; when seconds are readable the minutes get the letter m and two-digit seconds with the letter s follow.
12h03
